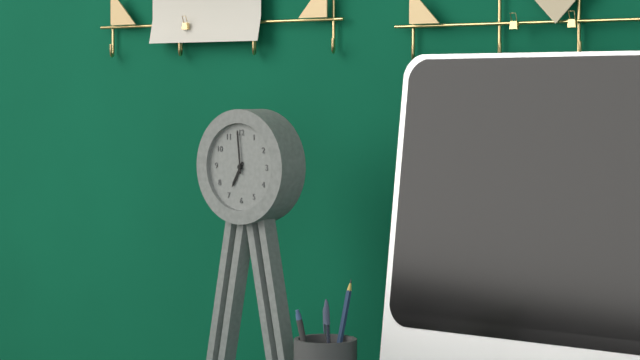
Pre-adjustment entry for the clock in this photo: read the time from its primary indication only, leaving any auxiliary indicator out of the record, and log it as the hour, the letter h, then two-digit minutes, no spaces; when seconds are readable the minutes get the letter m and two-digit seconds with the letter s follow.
6h59
